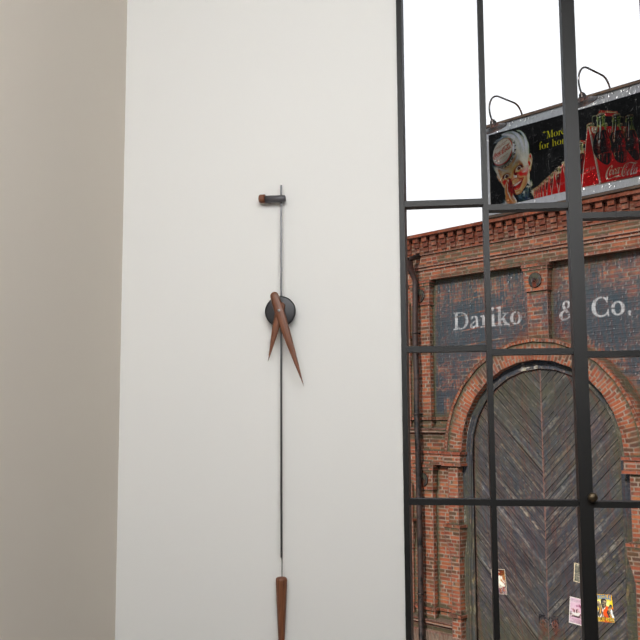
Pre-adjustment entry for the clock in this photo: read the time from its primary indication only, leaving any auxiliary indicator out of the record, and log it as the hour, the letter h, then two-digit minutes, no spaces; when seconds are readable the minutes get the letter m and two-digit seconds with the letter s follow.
6h27
